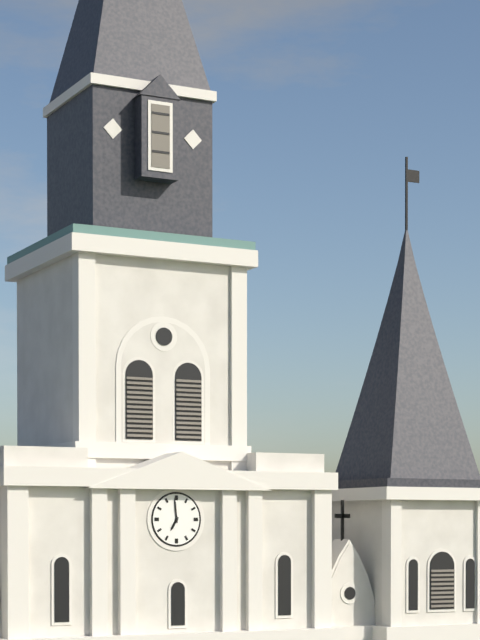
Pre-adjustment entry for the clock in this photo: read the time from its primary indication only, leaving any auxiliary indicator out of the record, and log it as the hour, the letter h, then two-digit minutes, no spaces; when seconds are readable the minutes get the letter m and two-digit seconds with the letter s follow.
6h59
